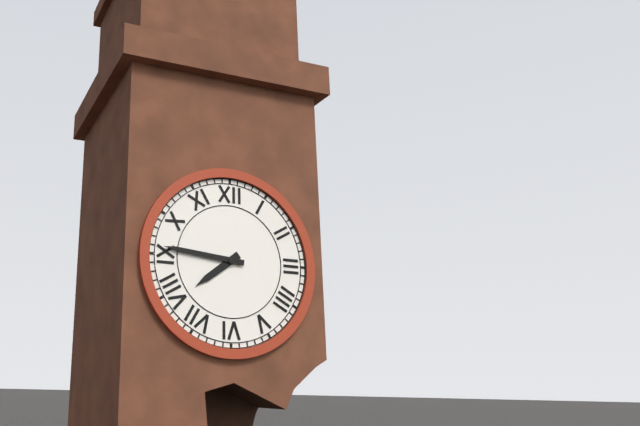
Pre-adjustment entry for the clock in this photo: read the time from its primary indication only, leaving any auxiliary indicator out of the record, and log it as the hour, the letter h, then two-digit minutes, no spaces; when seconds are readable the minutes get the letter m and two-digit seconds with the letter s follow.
7h46
